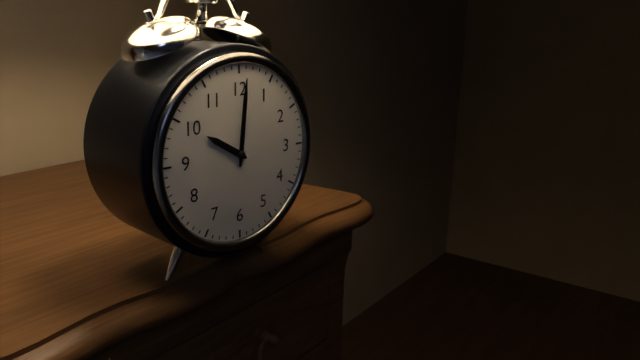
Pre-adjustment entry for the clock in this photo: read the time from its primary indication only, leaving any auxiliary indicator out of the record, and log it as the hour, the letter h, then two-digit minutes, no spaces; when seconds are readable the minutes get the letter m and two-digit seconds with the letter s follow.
10h01
